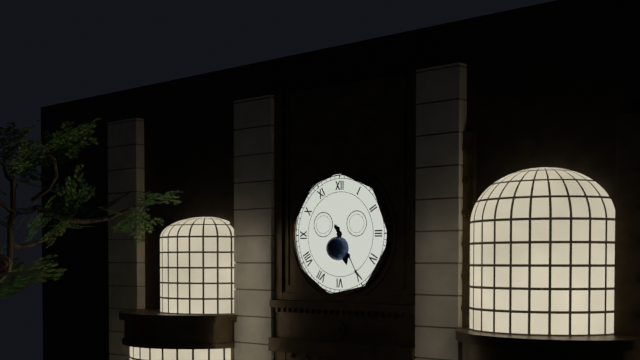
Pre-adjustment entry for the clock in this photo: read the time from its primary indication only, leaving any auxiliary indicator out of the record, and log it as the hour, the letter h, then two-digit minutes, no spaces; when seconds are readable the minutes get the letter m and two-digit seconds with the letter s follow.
5h25
